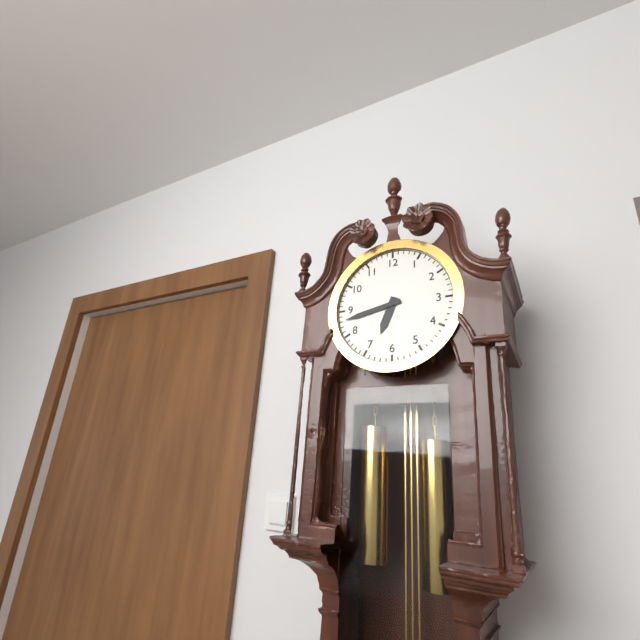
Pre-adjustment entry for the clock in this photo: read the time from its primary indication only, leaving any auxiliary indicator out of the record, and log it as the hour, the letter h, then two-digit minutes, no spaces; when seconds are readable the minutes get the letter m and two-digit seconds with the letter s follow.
6h43
